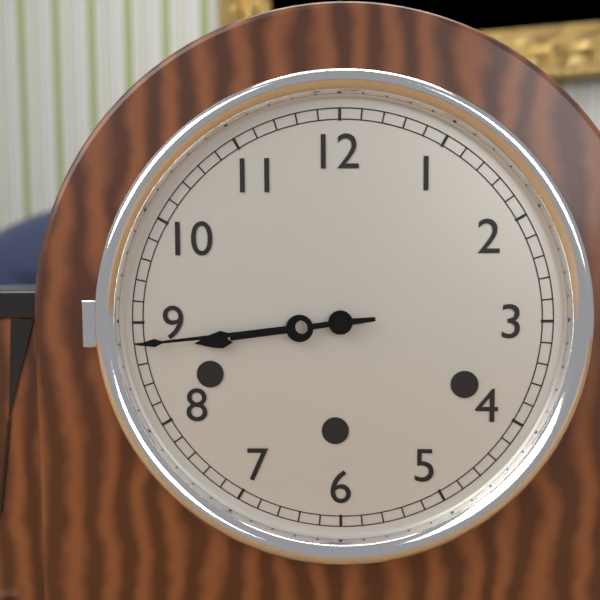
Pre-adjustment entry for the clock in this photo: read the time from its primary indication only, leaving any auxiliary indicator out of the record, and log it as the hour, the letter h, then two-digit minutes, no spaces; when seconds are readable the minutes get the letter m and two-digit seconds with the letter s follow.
8h44
